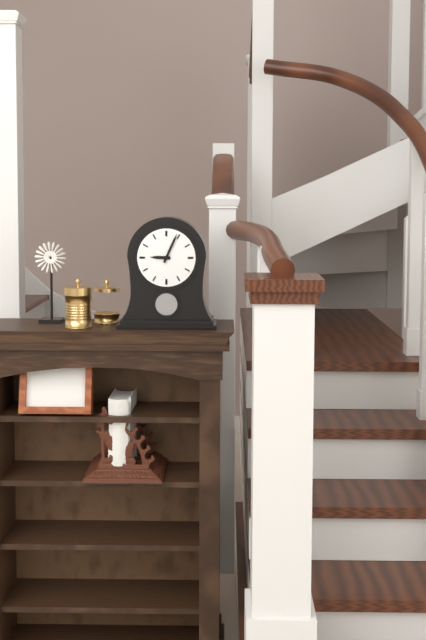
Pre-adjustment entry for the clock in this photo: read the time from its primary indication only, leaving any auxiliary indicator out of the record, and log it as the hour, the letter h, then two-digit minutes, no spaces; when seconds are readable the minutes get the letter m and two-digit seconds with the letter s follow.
9h04
